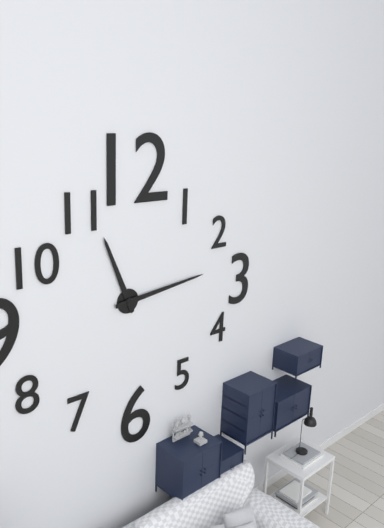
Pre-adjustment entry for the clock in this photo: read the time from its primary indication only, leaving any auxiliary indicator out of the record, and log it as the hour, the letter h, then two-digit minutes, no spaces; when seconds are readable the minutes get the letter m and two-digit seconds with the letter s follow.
11h14
